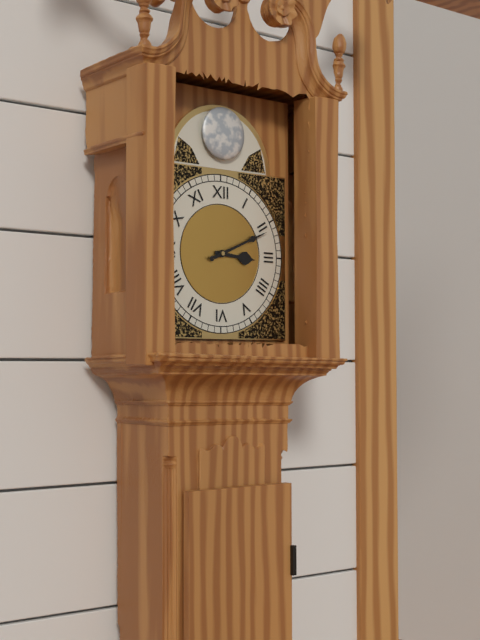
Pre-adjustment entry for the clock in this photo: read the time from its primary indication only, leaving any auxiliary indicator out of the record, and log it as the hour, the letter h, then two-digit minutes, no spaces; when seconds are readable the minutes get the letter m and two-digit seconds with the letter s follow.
3h11
